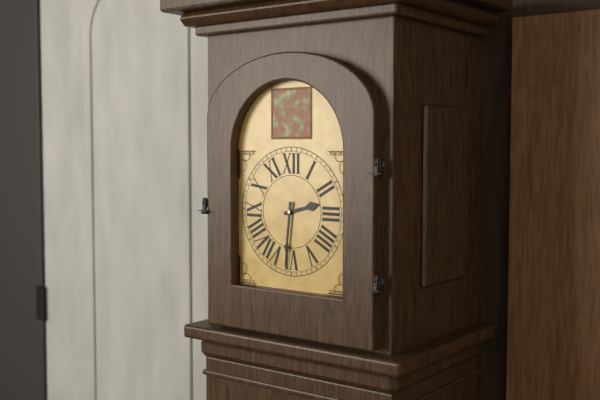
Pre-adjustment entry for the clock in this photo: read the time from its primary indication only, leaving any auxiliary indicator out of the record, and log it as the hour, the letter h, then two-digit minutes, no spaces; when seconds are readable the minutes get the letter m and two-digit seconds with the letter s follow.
2h31
